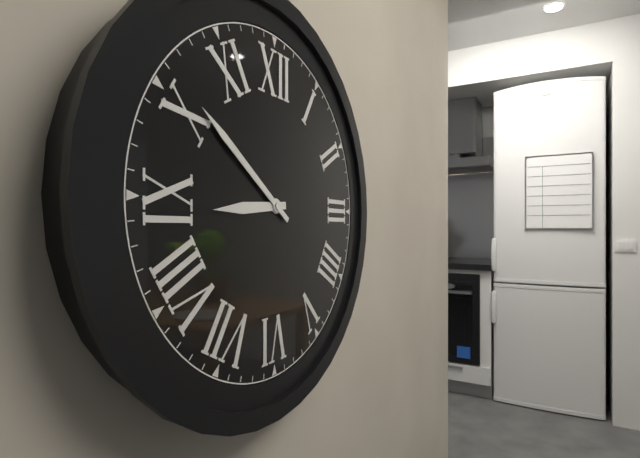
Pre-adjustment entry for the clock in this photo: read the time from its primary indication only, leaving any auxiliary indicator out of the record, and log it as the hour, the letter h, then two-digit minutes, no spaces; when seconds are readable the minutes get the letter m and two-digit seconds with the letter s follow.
8h51
